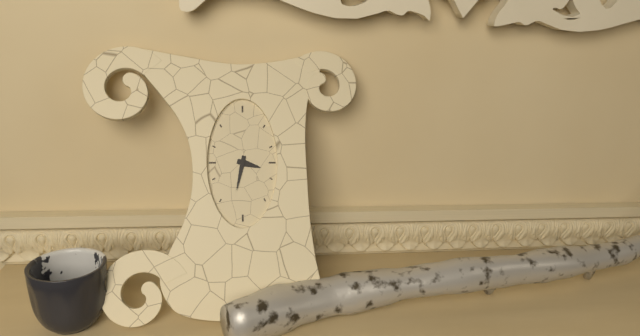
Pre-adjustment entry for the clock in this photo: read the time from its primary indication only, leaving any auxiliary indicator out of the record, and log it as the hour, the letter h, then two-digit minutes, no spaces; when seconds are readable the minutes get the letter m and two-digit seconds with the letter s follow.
3h32
